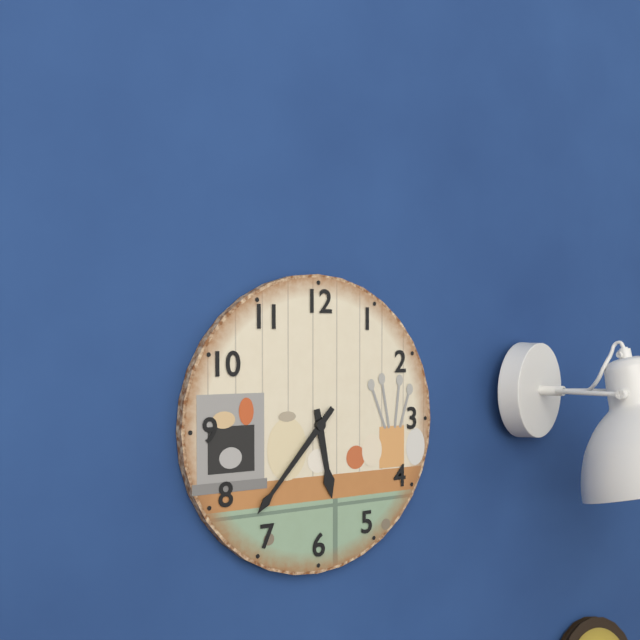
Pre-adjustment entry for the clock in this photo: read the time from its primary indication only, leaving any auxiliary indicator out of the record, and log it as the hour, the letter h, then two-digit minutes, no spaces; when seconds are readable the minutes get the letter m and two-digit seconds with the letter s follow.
5h37
